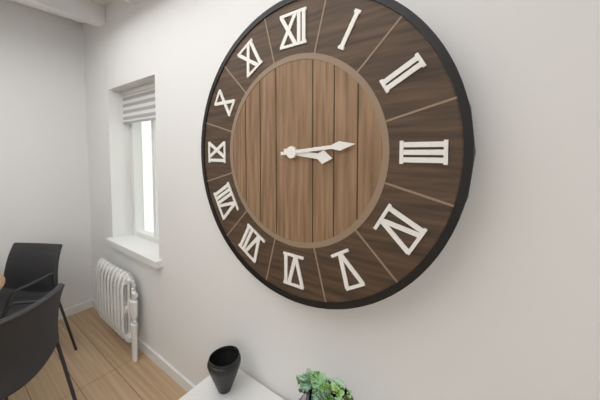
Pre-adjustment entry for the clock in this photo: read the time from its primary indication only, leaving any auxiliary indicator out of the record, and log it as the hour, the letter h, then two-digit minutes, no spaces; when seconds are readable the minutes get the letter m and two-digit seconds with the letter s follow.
3h14
